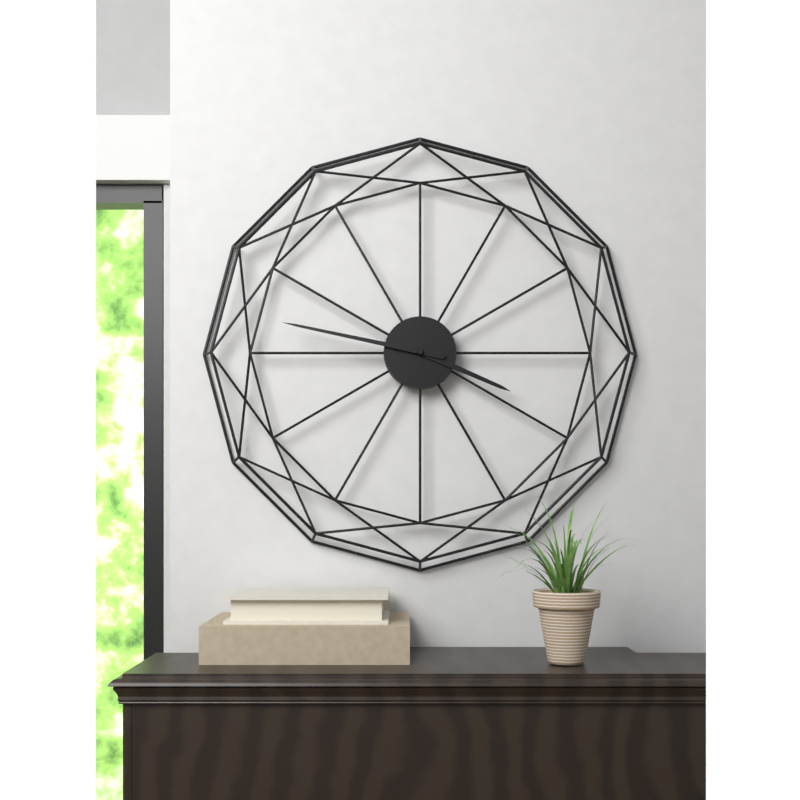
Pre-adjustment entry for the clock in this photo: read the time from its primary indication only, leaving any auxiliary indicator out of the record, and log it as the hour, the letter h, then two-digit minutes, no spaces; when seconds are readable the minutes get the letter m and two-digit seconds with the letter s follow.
3h47
